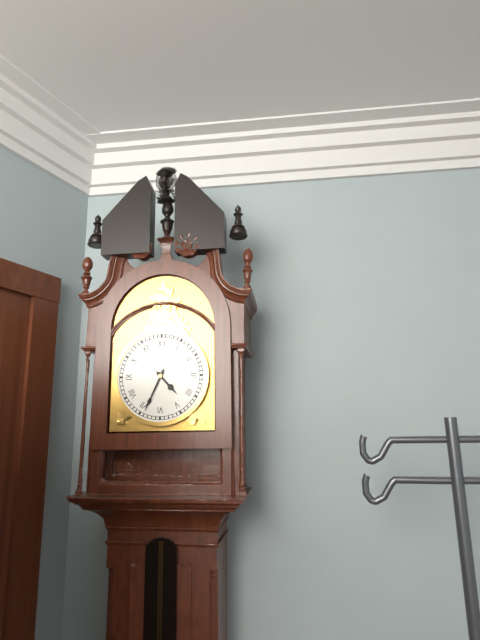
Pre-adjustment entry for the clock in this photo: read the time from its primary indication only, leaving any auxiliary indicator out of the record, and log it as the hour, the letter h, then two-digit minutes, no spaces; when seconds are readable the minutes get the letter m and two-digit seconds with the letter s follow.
4h34
